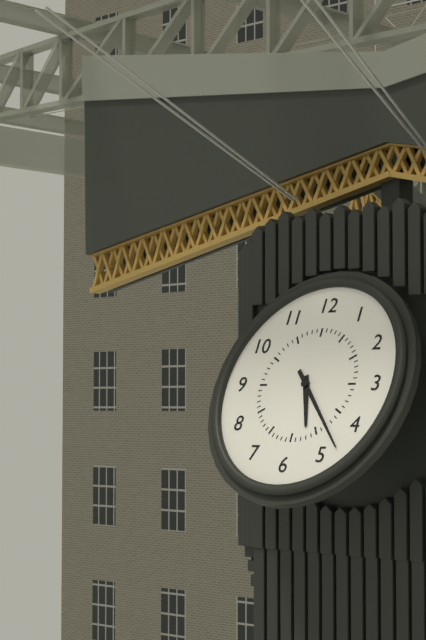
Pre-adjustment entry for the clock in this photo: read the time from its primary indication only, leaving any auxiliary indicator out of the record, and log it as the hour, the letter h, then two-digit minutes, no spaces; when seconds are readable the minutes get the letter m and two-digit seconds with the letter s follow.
5h23
